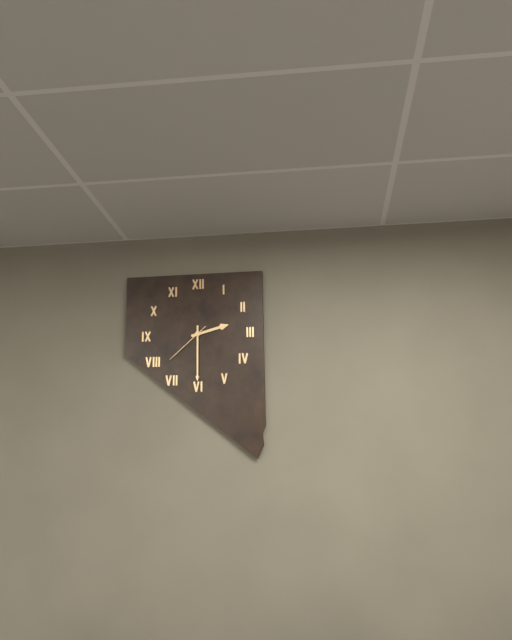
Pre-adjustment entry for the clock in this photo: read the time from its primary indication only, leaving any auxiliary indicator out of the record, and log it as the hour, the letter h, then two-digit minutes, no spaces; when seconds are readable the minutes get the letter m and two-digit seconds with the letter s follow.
2h30
